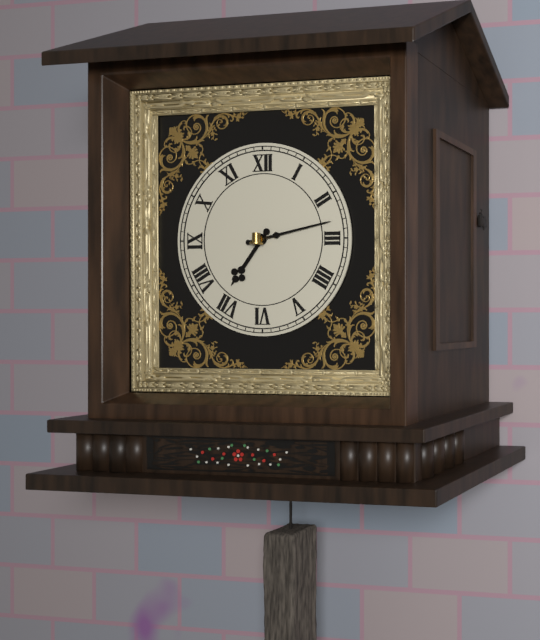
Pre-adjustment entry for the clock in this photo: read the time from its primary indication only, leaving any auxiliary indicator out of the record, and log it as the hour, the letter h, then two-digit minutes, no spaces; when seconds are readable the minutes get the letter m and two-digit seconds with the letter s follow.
7h13
